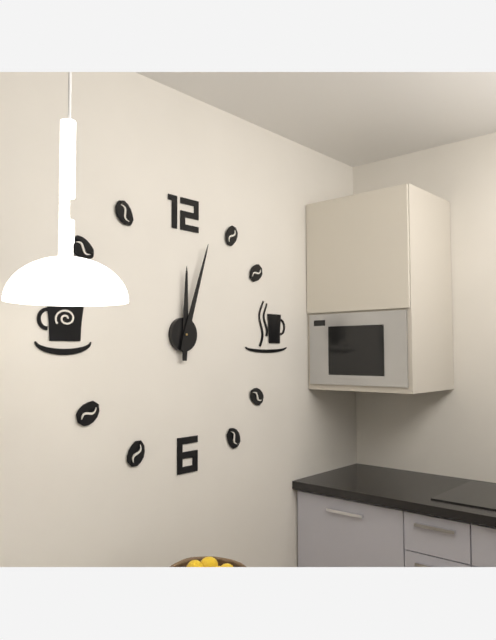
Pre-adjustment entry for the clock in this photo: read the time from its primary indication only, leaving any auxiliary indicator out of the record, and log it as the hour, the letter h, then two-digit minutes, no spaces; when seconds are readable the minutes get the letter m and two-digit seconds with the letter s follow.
12h03
